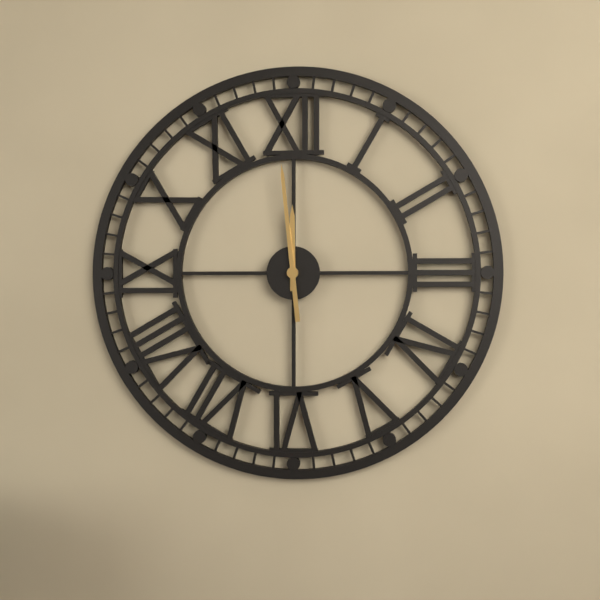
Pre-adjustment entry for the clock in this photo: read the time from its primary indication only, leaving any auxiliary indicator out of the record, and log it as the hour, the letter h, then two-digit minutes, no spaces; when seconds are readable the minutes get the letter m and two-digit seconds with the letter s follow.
11h59
